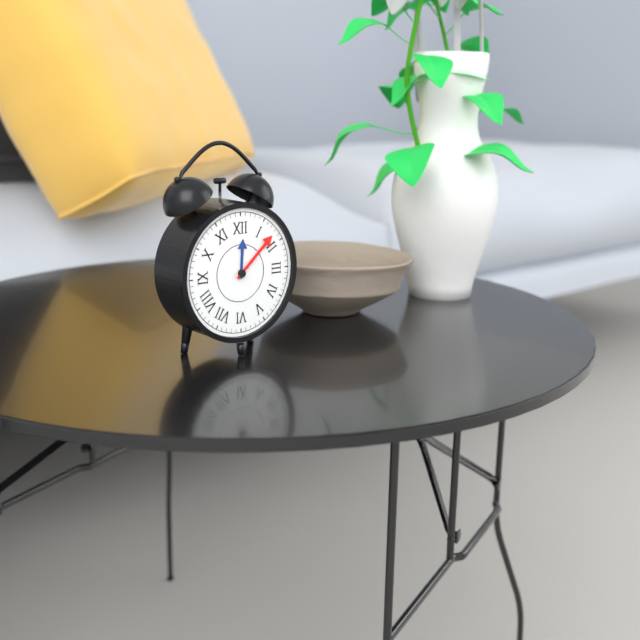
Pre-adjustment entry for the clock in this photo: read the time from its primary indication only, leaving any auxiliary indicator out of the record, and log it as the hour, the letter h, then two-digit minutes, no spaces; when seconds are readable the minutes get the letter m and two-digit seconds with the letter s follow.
12h08
